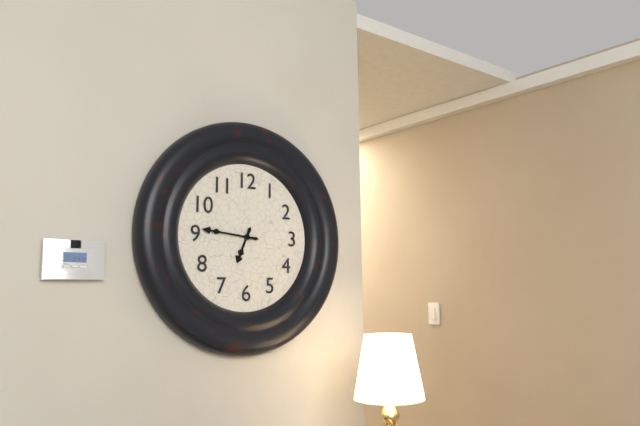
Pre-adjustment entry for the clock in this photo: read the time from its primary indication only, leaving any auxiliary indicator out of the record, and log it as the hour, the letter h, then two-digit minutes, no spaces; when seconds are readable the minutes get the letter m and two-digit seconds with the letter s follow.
6h46
